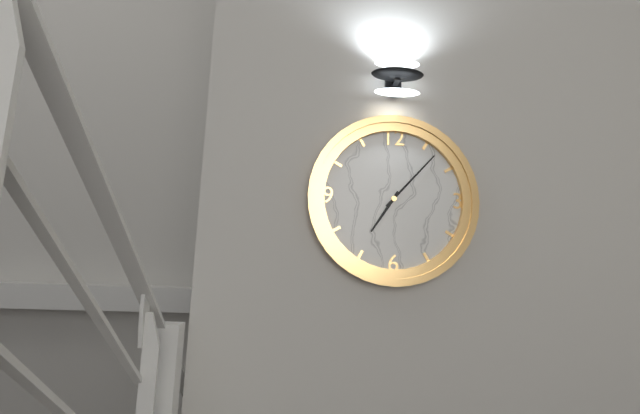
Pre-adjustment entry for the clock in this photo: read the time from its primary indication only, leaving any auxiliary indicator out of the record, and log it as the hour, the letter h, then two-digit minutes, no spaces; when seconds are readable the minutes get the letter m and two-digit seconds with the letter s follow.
7h07
